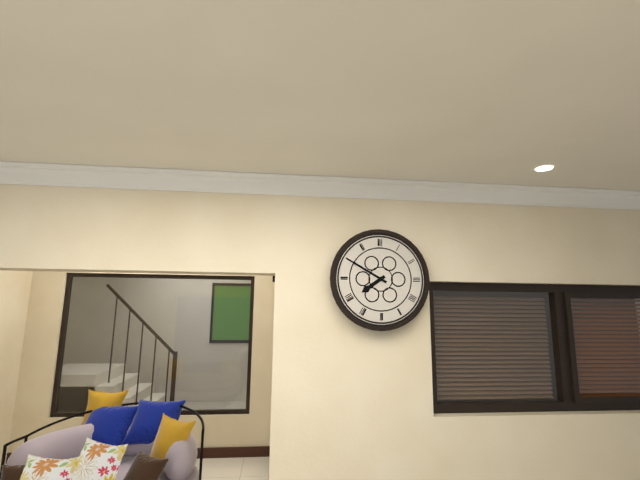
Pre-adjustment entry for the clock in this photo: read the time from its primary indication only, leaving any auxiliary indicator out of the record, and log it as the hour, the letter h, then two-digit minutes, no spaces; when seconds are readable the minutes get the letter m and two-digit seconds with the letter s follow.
7h50
